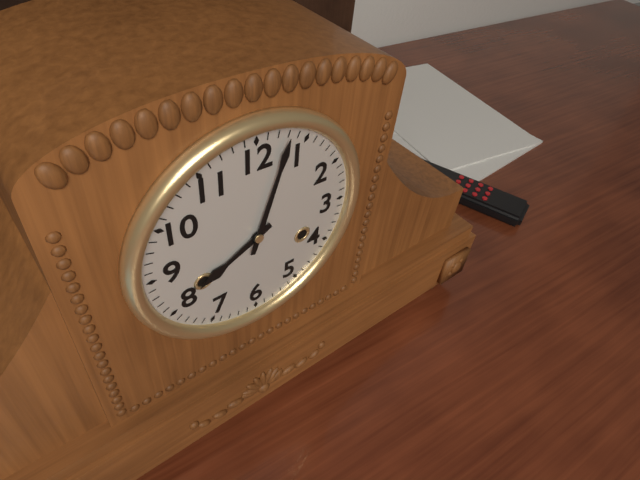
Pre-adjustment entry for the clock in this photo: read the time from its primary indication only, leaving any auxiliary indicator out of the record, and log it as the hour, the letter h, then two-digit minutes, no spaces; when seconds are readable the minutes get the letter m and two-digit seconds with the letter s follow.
8h03
